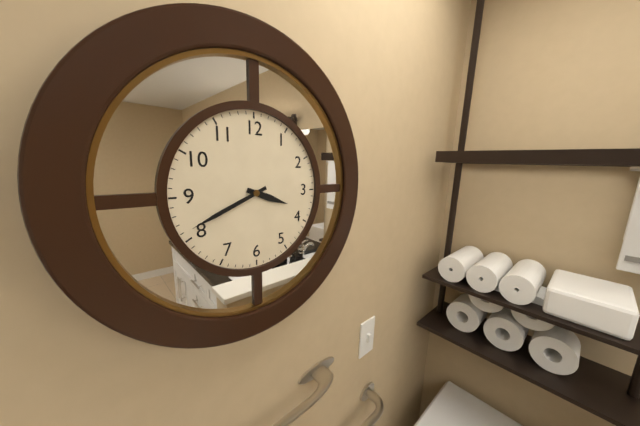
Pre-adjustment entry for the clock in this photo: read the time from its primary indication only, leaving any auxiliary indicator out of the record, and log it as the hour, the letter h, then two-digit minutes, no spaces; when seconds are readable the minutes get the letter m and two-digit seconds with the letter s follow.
3h41
